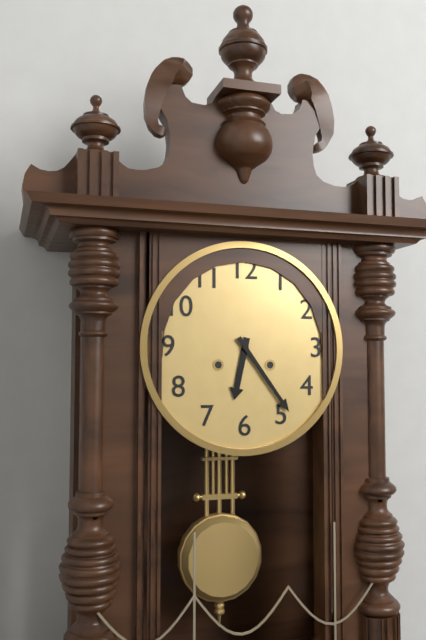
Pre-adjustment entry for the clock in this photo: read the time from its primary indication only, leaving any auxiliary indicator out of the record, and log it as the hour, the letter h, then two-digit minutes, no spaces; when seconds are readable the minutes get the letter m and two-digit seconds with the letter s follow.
6h24
